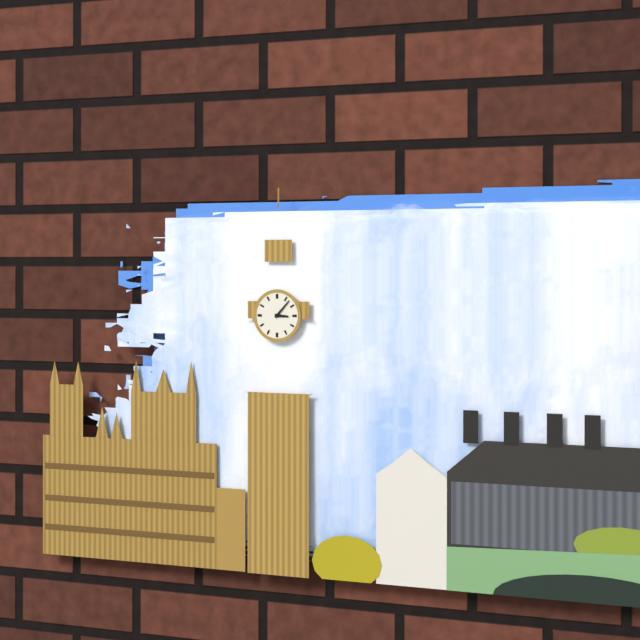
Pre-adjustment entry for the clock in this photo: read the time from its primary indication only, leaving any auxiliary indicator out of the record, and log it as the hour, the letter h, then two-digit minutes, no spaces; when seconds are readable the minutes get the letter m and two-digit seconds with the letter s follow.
3h07
